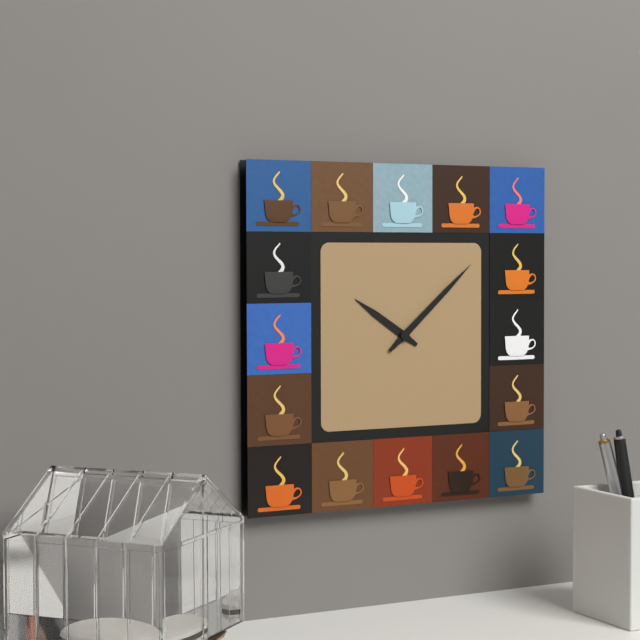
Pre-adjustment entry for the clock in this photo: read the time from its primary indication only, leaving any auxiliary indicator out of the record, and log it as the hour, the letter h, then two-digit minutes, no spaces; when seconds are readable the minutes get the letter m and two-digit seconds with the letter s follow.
10h08
